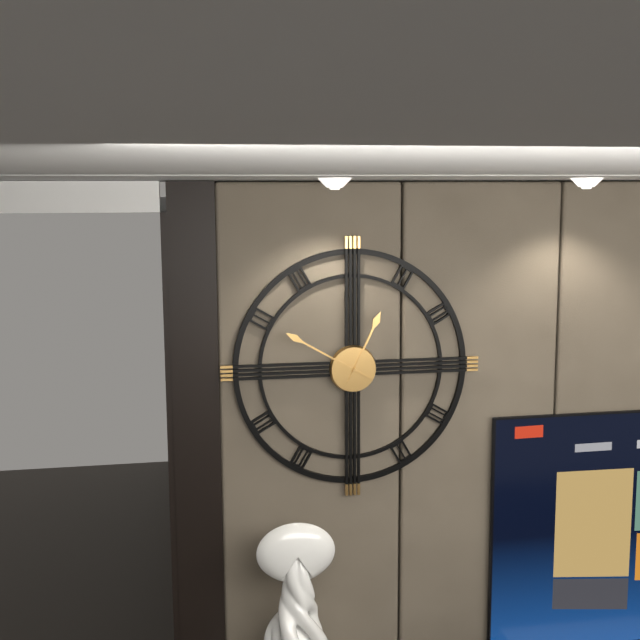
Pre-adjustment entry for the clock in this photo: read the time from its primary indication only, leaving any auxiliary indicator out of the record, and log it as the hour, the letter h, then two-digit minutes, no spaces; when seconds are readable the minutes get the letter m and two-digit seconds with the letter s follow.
12h50
